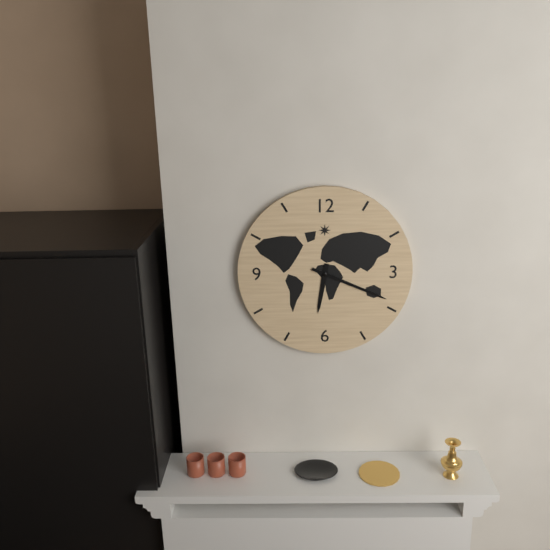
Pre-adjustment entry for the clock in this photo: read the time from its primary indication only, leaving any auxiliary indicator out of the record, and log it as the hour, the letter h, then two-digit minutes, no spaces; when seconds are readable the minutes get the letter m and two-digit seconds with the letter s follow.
6h19
